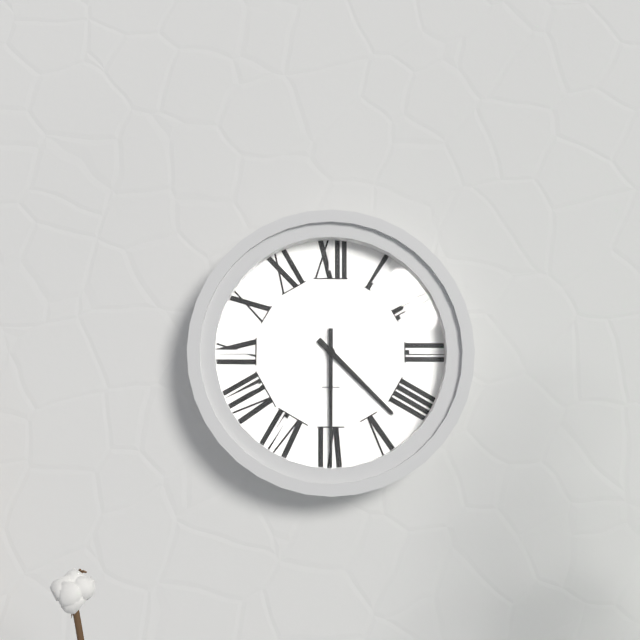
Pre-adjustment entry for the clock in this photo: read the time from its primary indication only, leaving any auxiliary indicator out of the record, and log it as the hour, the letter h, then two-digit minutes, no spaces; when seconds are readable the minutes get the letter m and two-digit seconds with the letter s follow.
4h30
